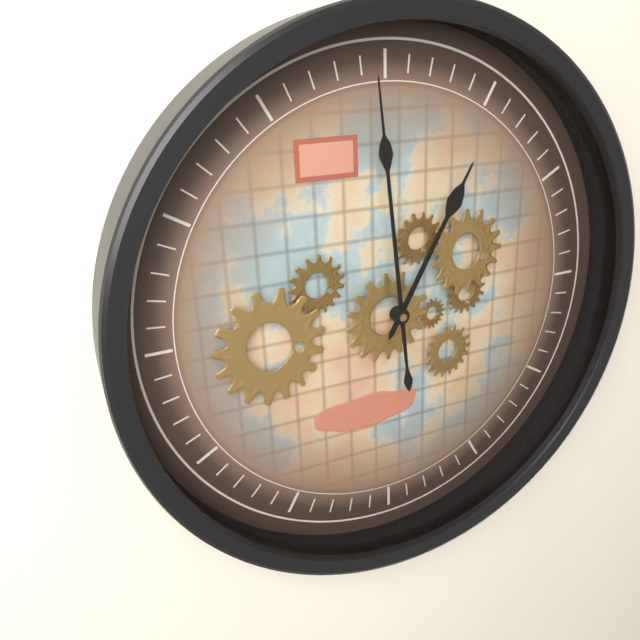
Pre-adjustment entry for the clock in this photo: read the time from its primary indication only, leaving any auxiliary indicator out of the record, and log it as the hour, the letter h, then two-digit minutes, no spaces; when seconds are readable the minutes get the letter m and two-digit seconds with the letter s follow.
12h59
